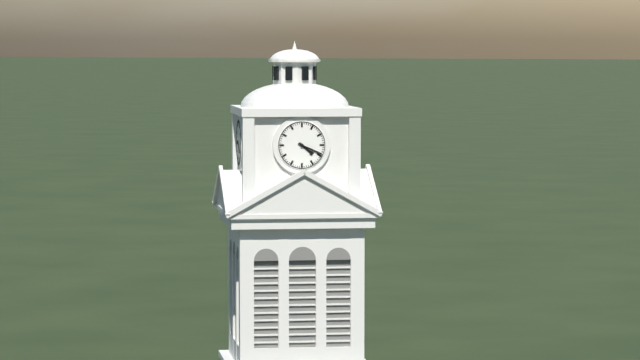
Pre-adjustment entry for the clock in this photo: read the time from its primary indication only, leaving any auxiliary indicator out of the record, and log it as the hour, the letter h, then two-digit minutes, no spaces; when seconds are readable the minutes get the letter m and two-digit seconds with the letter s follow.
4h19
